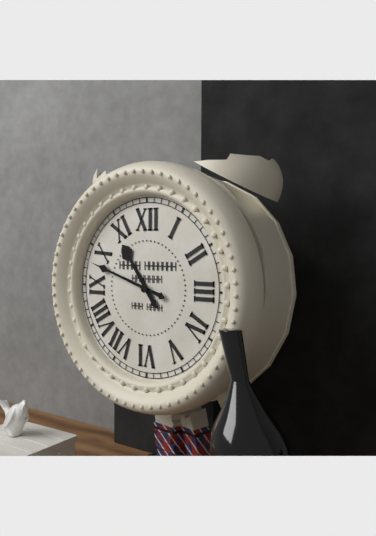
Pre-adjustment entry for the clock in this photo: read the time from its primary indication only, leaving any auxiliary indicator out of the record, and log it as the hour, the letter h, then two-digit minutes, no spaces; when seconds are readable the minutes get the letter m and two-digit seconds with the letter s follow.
10h48
